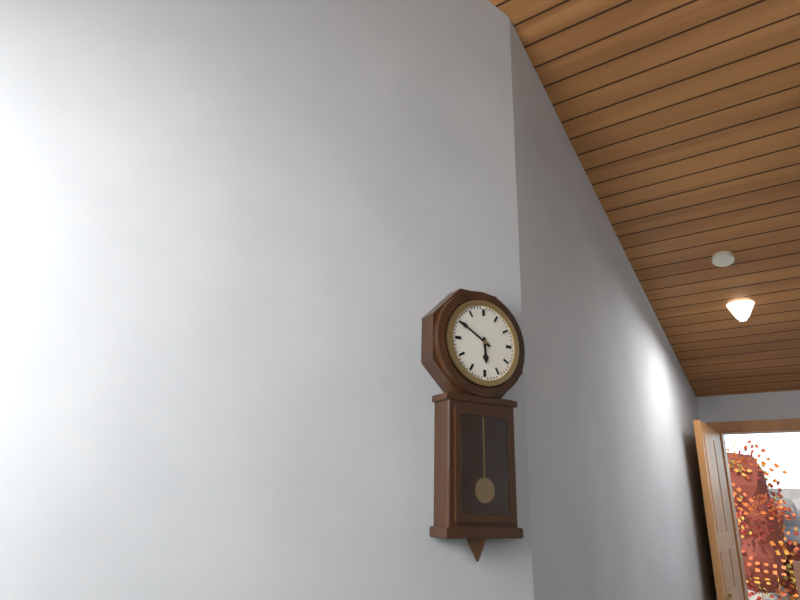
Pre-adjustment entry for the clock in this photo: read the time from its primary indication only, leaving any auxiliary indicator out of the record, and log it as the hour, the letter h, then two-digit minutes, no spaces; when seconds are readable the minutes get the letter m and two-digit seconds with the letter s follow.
5h50
